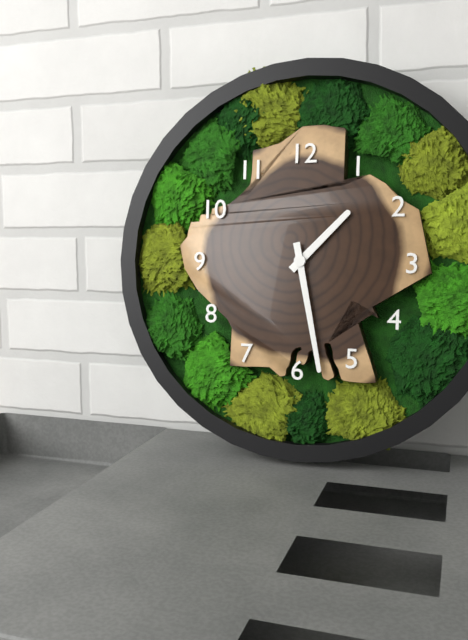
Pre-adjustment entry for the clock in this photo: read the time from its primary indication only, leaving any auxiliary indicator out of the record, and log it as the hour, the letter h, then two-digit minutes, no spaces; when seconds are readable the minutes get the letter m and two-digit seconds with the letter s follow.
1h28
